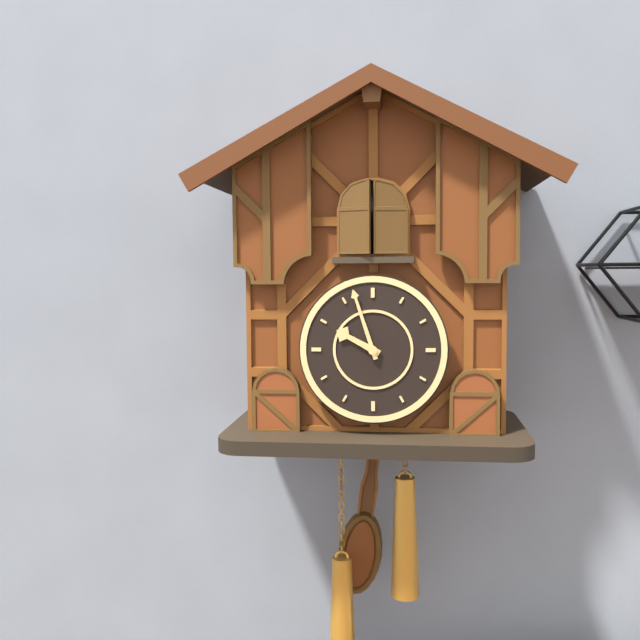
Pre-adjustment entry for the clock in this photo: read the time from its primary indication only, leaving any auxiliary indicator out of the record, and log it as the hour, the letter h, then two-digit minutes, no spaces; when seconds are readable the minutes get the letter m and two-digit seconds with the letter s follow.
9h57
